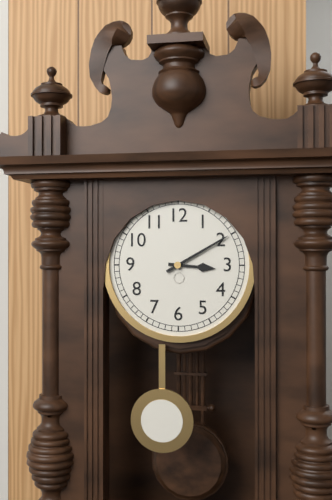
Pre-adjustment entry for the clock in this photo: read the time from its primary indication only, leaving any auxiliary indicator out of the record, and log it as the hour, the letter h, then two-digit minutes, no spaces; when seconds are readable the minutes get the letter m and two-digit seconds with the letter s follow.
3h10
